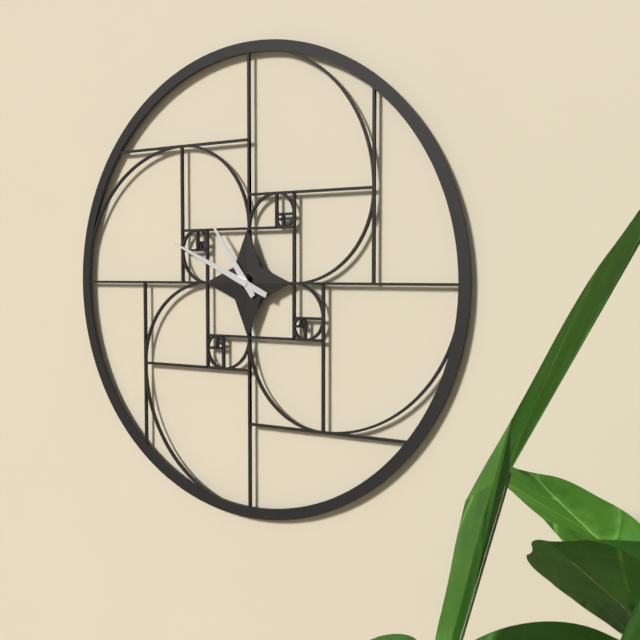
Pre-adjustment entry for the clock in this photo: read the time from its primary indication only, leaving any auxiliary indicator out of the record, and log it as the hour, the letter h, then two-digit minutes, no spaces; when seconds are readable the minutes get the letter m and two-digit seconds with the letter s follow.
10h49
